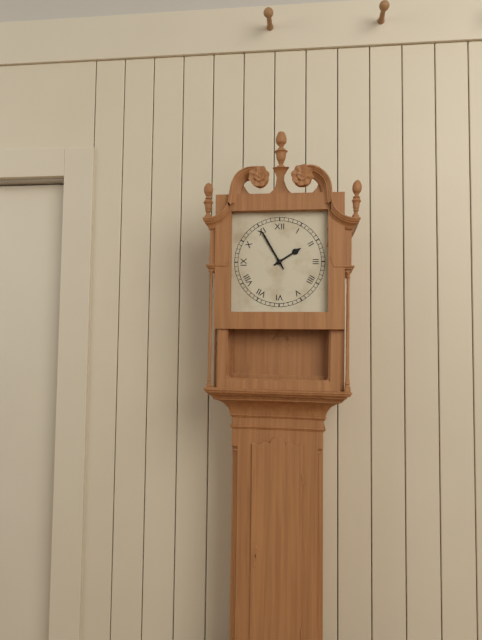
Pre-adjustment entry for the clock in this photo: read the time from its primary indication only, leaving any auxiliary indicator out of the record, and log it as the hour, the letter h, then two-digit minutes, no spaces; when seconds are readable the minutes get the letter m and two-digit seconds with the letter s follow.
1h55
